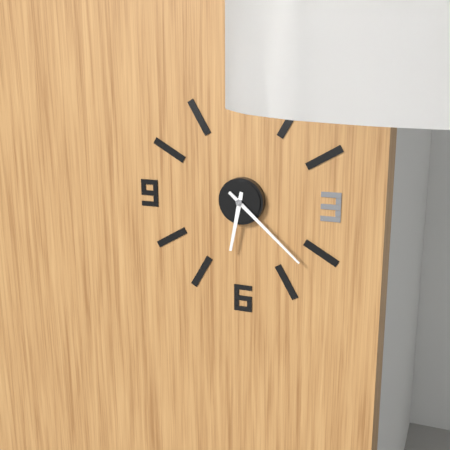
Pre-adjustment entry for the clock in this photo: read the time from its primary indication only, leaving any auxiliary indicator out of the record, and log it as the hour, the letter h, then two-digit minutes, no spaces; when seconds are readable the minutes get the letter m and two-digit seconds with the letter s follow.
6h22
